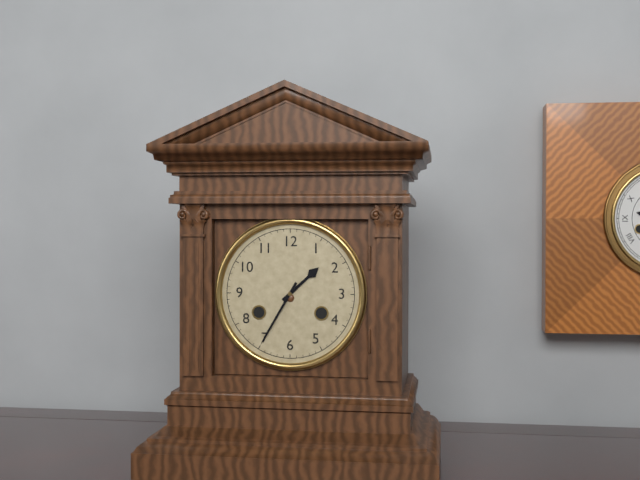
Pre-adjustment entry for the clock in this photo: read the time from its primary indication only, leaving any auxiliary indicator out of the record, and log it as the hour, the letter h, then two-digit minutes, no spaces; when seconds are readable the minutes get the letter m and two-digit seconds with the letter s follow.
1h35
